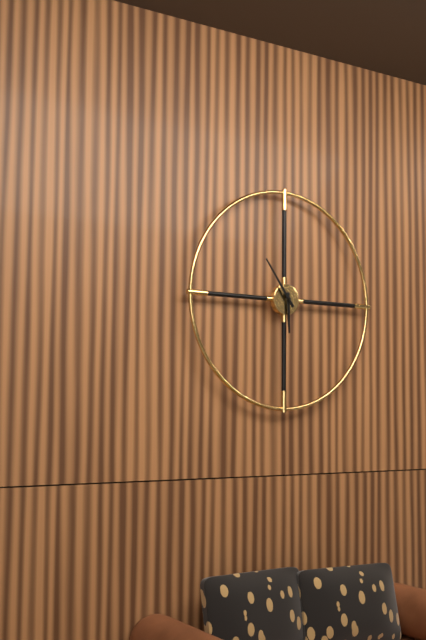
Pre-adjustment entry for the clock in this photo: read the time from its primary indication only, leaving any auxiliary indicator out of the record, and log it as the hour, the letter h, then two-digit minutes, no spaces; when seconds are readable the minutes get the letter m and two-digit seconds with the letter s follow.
5h54
